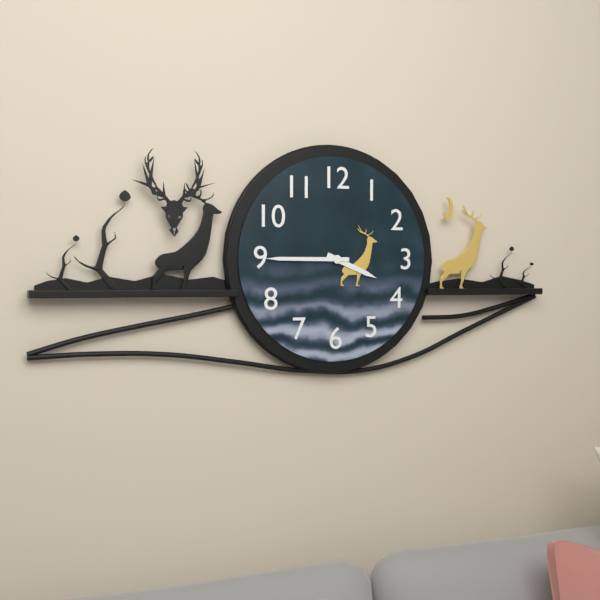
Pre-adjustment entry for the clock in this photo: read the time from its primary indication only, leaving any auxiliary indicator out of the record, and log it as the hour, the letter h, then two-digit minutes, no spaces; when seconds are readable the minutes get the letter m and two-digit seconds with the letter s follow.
3h45
